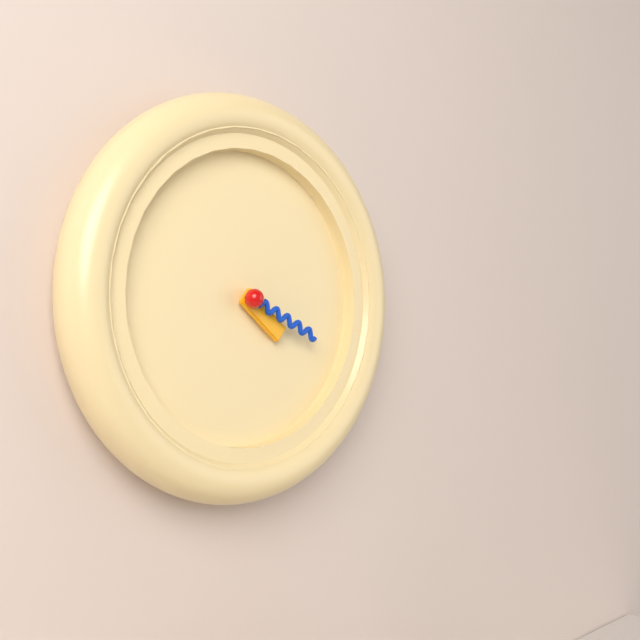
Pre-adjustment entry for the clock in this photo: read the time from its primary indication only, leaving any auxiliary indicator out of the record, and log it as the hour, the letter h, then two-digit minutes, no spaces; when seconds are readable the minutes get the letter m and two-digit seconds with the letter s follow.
4h19
